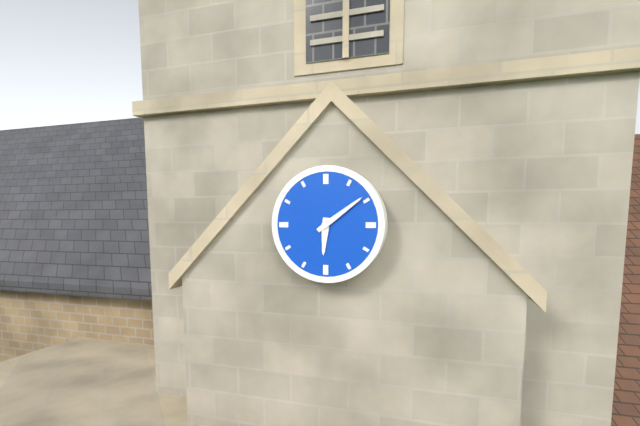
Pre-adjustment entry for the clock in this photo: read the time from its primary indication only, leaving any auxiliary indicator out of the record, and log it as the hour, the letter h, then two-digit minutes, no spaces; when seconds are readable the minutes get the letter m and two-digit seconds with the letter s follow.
6h09
